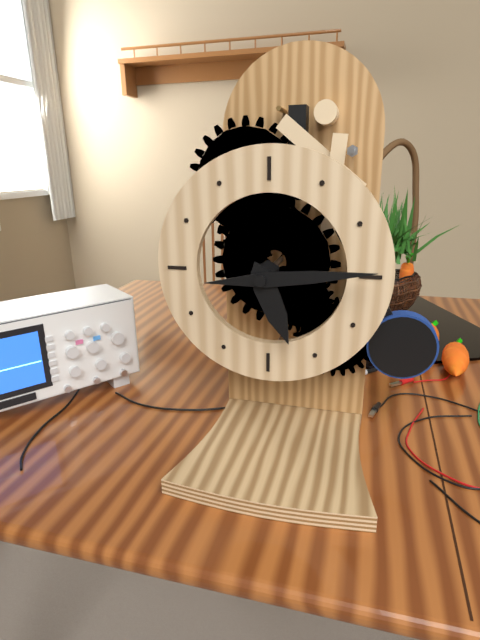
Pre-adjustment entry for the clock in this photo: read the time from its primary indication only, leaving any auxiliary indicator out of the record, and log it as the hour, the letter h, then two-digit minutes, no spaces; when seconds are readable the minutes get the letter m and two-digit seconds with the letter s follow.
5h14
